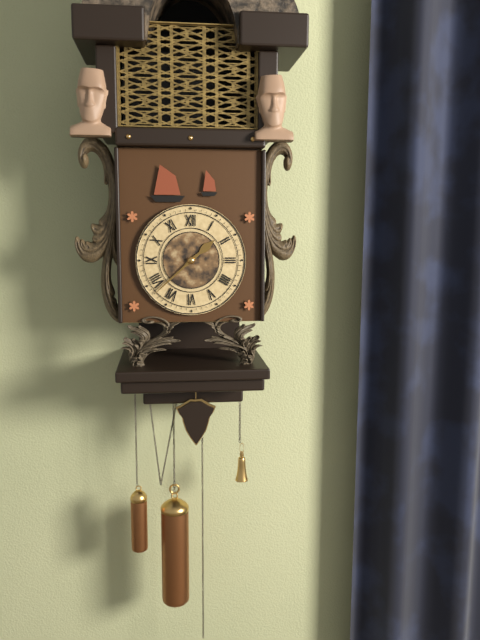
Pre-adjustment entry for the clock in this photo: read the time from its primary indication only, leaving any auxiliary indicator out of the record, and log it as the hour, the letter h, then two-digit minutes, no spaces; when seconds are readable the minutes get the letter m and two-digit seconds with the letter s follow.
1h38
